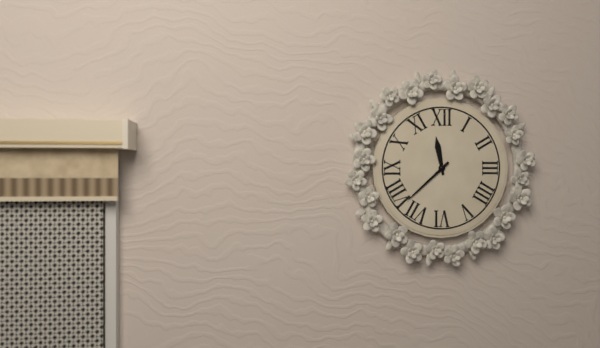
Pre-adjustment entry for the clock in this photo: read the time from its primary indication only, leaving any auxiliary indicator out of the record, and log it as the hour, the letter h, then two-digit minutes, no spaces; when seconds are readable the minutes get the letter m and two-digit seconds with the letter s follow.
11h38
